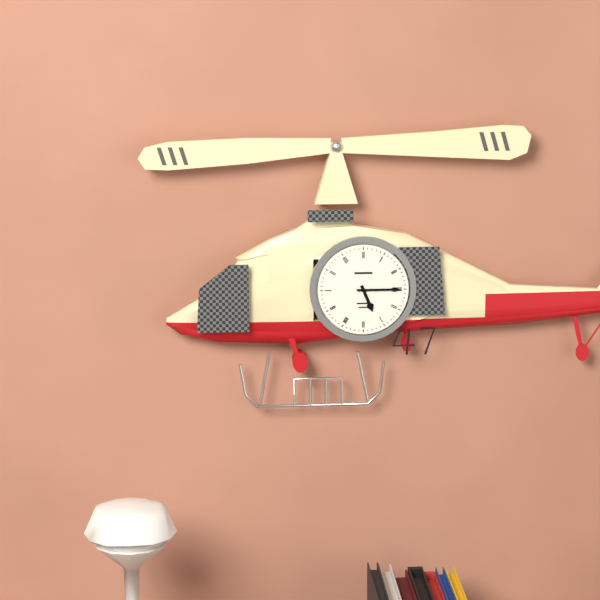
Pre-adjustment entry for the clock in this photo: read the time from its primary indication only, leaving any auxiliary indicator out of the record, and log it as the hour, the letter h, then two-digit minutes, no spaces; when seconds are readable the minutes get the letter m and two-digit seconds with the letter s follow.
5h15
